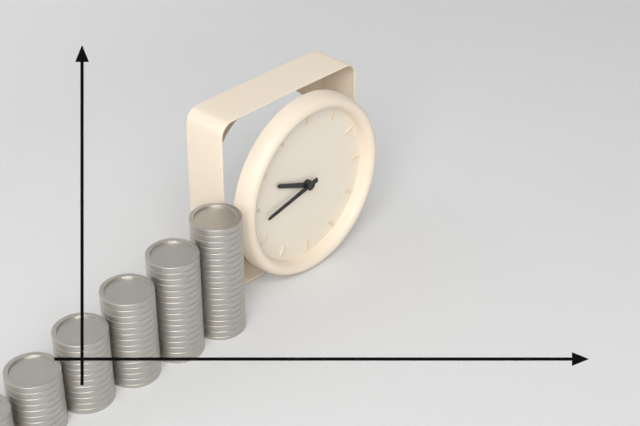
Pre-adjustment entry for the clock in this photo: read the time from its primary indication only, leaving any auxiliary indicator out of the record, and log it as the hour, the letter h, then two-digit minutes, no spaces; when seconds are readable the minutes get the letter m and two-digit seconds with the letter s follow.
9h43
